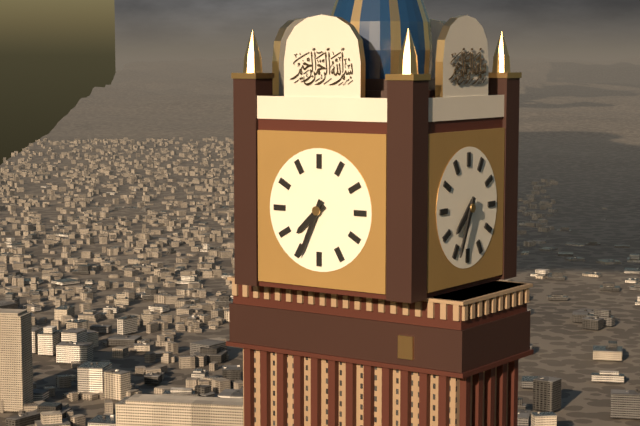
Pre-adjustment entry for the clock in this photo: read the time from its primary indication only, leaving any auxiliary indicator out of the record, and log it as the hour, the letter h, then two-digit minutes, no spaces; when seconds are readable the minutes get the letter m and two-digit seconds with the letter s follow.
7h34
